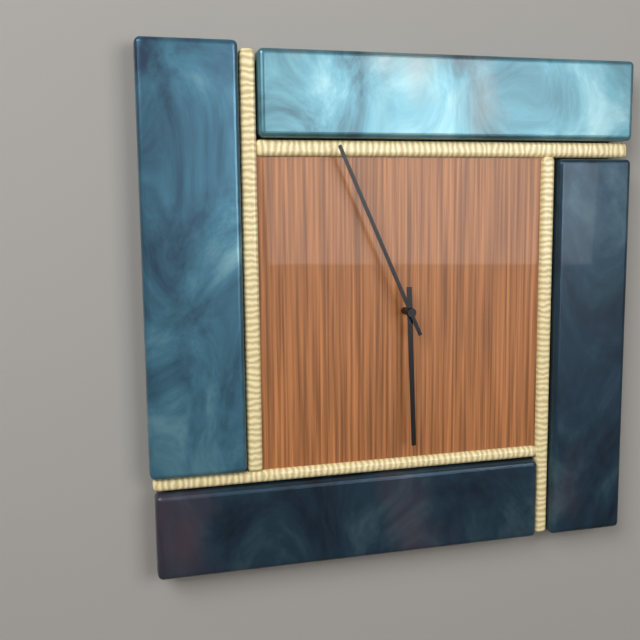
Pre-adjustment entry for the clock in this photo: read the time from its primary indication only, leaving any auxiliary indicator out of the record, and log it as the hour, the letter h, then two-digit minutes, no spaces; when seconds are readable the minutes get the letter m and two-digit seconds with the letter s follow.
5h56
